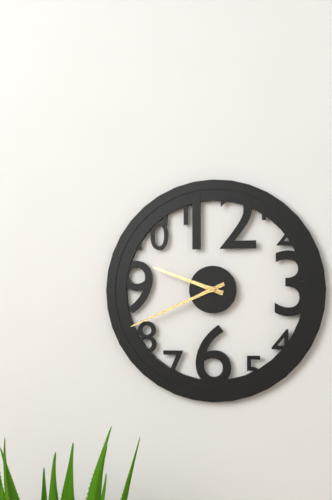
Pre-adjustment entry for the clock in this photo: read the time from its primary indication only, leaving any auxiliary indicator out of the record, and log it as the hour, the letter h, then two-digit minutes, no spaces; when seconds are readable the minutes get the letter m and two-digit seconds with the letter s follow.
9h41
